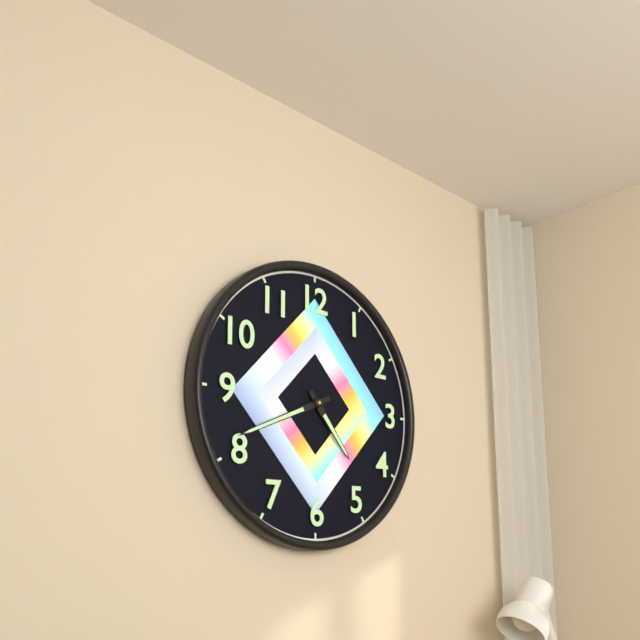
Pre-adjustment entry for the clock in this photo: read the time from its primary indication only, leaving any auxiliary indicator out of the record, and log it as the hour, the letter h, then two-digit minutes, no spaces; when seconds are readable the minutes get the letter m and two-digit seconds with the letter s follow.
4h41
